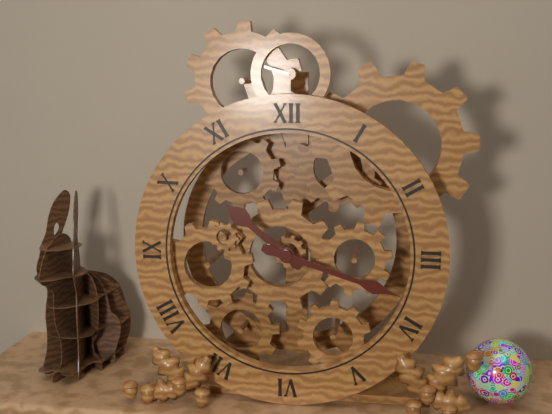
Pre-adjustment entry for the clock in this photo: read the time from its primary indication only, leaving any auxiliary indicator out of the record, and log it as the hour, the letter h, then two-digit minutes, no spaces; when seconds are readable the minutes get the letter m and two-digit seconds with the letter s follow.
10h18
